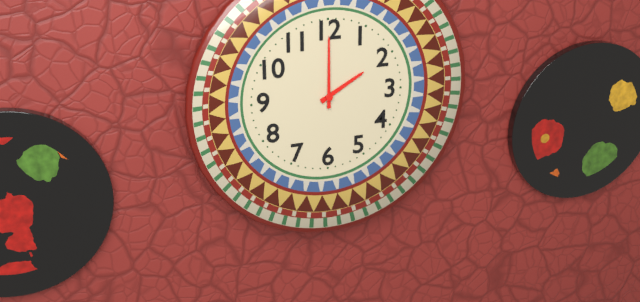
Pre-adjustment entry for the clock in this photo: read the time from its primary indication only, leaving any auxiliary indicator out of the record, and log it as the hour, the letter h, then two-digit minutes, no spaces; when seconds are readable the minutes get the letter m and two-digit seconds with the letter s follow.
2h00
